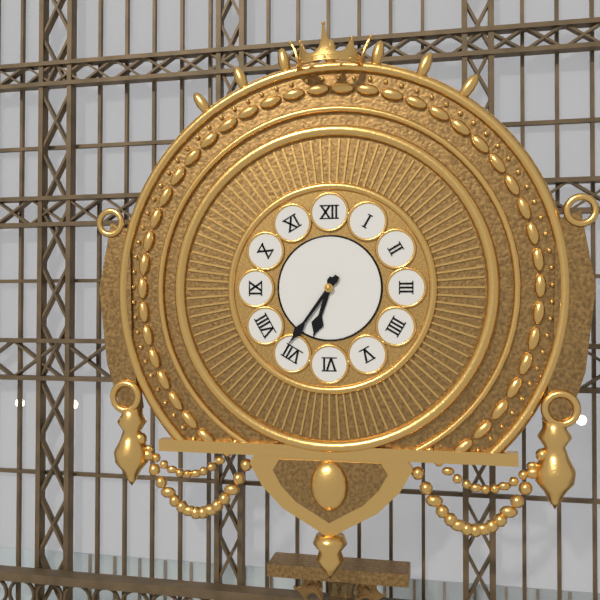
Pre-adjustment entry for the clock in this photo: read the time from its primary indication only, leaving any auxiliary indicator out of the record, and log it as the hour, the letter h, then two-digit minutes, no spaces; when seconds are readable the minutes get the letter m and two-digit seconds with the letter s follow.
6h36
